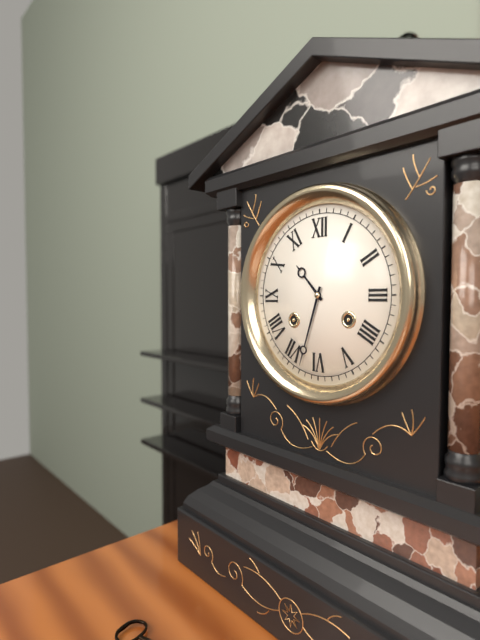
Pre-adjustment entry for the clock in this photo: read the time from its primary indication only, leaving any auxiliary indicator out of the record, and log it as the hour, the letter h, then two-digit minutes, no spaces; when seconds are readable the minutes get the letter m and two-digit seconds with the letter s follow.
10h33
